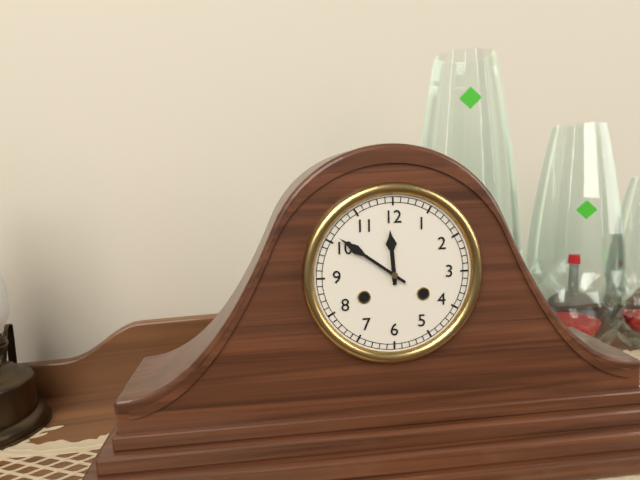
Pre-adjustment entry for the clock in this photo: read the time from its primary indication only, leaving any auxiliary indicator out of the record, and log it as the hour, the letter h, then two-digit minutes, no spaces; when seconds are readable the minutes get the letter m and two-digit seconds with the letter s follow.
11h51
